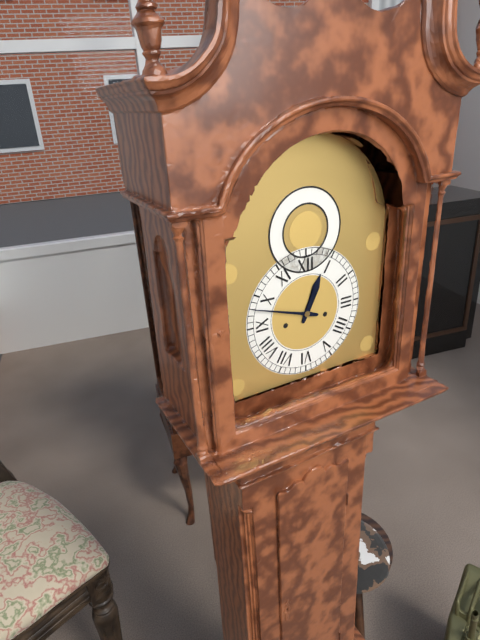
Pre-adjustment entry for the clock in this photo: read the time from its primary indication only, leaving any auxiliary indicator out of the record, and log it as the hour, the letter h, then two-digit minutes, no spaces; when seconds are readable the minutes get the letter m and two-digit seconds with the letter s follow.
12h48
